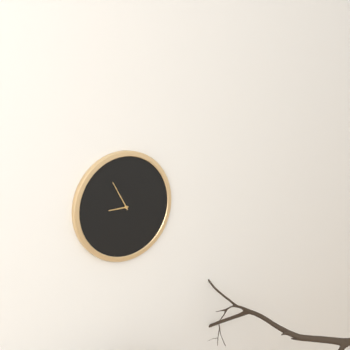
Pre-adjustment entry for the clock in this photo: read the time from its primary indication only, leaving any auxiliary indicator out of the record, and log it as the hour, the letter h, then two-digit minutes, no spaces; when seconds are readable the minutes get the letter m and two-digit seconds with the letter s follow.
8h55
